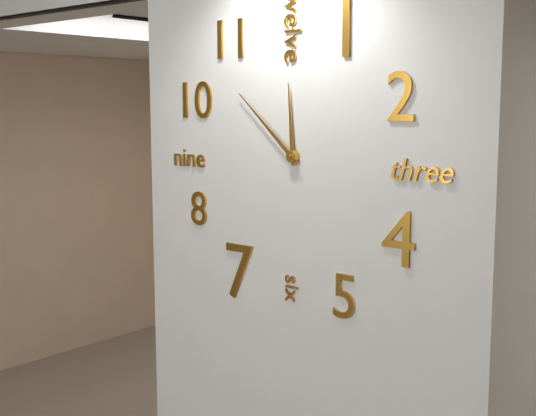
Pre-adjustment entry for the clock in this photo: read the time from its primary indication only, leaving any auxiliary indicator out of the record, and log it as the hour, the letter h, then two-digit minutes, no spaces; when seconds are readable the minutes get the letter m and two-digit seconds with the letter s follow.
11h52
